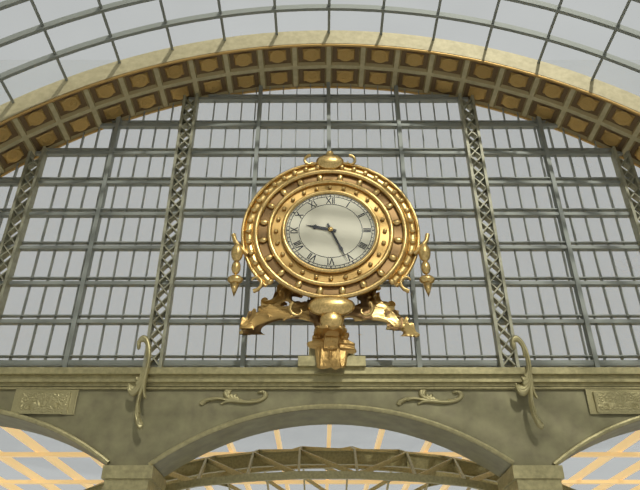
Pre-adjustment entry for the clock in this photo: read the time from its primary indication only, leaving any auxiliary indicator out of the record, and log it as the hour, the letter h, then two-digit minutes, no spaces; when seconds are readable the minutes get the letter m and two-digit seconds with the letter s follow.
9h26
